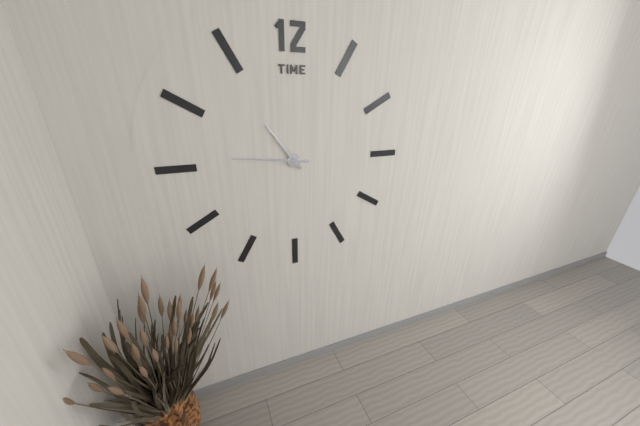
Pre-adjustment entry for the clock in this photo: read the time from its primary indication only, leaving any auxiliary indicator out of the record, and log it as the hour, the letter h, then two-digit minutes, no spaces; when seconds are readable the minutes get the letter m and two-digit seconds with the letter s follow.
10h46
